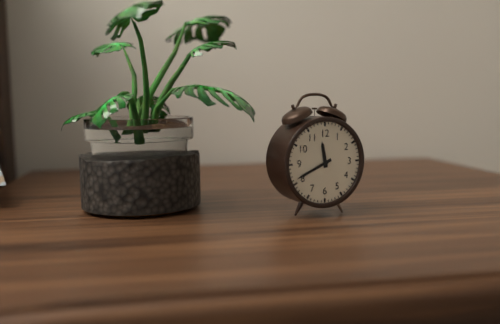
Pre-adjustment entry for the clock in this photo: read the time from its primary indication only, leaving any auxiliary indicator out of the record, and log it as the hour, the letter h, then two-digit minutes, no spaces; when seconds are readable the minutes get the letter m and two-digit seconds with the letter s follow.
11h41
